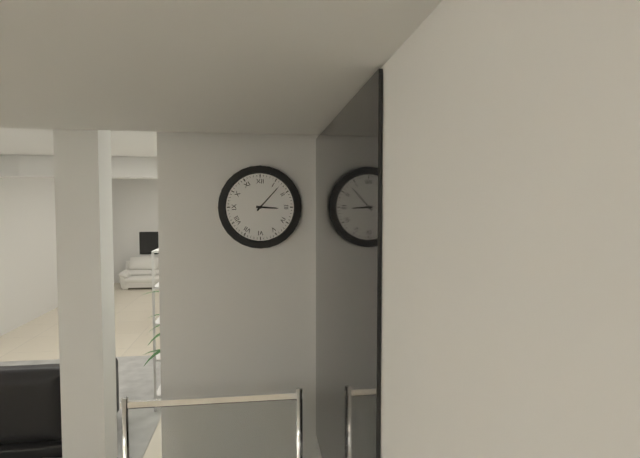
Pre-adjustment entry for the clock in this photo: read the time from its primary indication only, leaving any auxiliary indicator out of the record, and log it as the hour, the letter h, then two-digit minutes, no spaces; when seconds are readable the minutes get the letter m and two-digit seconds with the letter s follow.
3h07
